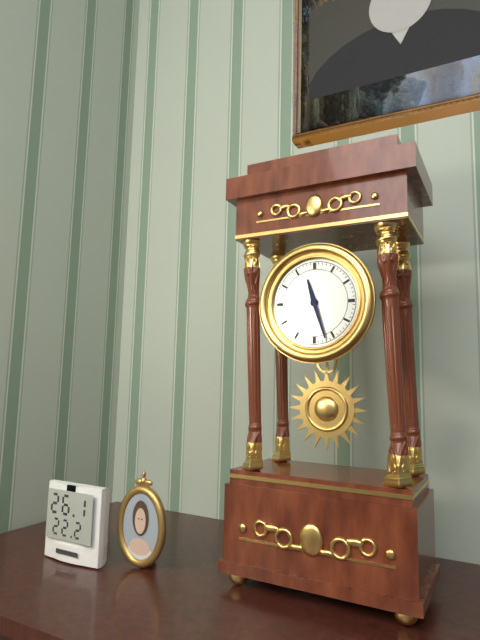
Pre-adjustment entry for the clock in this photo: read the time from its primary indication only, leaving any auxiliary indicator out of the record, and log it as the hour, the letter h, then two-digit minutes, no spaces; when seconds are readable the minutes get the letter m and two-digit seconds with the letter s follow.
11h27
